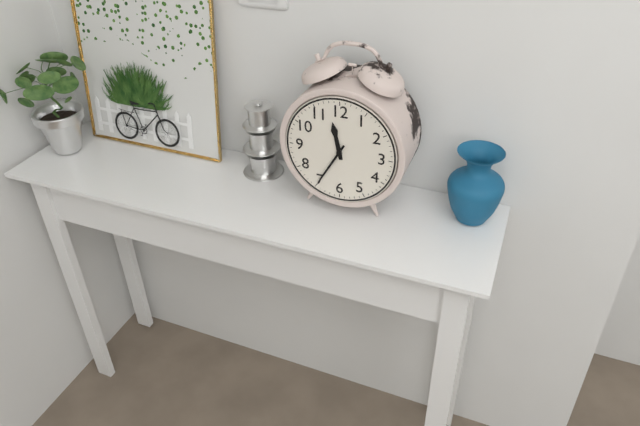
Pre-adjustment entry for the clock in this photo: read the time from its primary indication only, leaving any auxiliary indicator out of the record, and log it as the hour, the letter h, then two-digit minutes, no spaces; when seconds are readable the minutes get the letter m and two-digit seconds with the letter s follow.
11h35
